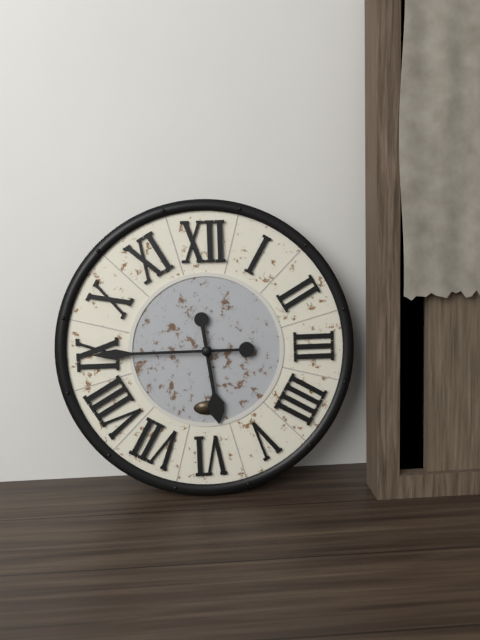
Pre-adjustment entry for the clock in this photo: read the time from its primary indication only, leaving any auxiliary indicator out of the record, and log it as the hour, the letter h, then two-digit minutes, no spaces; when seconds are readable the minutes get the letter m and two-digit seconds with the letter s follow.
5h45
